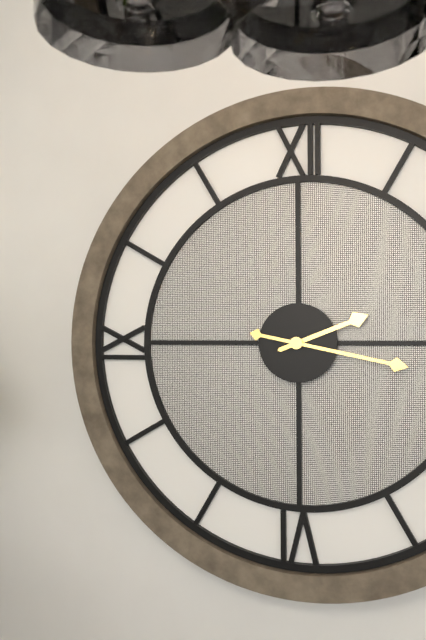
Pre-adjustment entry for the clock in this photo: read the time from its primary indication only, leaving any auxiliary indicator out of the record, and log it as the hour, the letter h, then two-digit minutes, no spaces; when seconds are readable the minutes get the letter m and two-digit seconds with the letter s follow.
2h17
